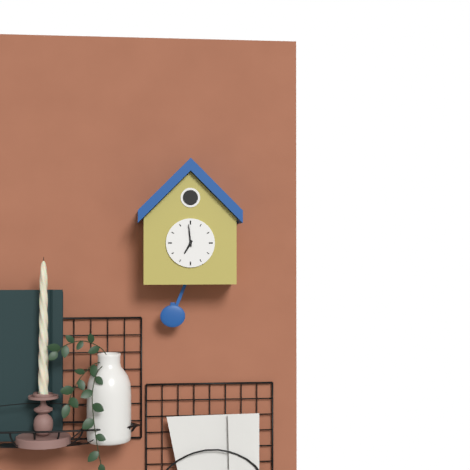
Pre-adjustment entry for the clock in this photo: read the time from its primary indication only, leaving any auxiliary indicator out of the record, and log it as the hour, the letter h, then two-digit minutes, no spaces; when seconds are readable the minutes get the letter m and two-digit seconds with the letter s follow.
6h59
